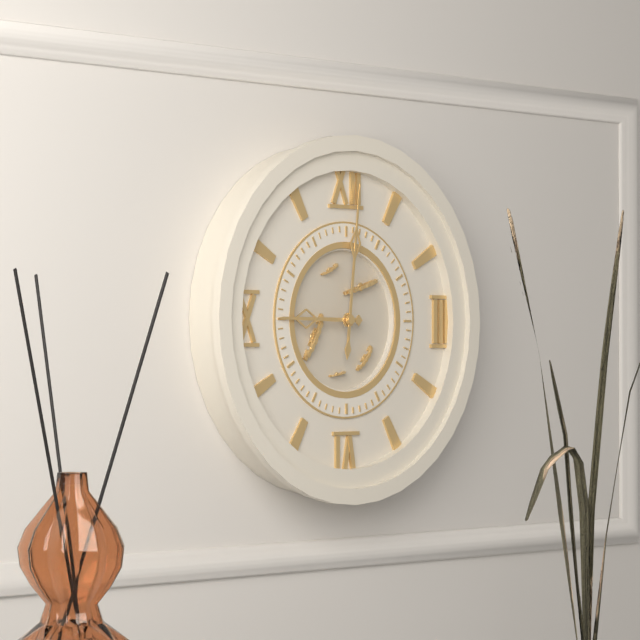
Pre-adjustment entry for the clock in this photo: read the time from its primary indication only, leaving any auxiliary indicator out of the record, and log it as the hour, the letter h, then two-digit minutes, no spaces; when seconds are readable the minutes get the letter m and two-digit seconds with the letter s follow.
9h01
